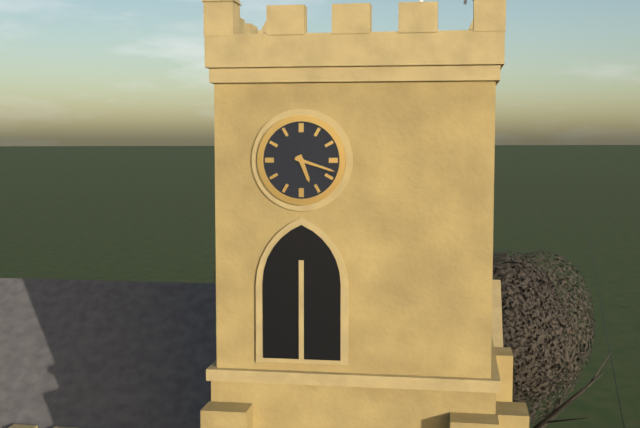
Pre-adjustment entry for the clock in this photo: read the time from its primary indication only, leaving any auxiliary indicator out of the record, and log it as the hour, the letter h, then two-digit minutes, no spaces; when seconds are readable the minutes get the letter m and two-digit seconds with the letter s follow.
5h18
